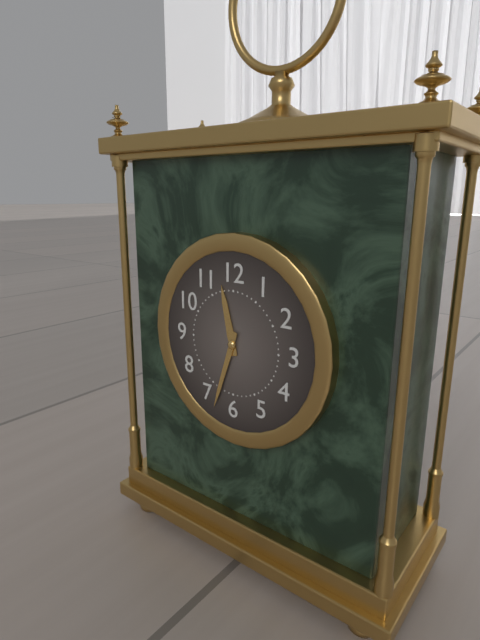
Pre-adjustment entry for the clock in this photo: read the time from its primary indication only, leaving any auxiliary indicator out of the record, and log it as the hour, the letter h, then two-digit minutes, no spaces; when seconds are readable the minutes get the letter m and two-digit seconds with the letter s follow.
11h33
